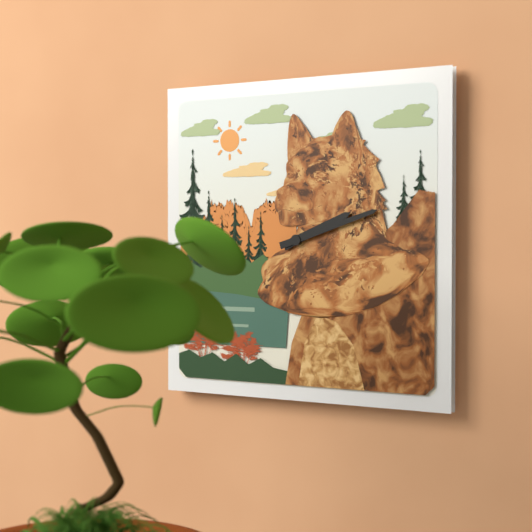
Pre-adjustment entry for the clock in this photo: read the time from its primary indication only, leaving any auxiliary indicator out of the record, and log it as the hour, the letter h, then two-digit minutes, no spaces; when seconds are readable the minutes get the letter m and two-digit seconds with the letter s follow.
2h12
